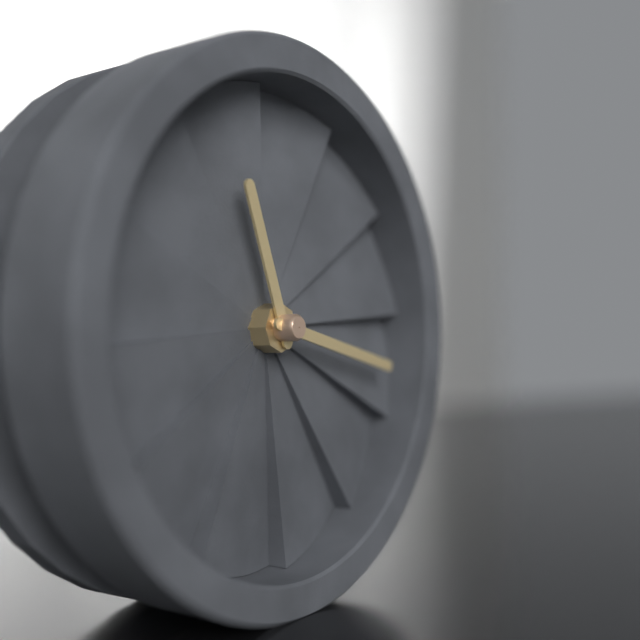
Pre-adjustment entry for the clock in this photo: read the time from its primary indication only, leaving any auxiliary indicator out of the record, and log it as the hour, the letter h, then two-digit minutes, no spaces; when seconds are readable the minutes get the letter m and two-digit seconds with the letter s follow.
11h17
